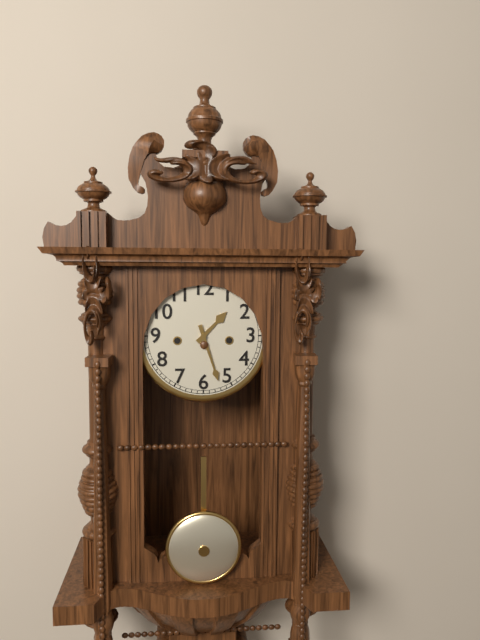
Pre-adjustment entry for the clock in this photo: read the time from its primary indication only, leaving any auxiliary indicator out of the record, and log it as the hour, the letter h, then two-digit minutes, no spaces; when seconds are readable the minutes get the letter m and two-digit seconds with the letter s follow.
1h27
